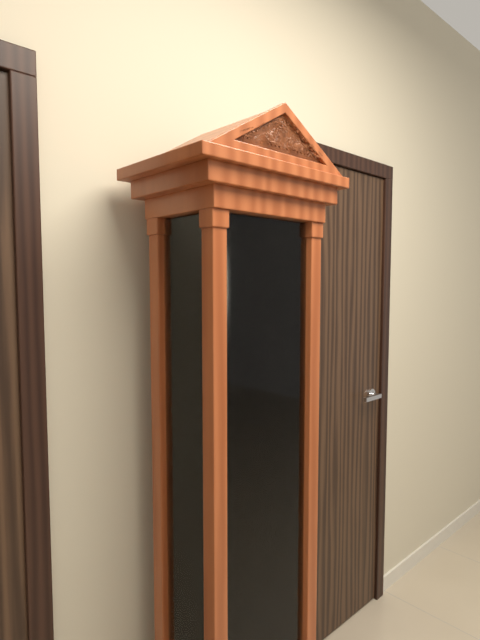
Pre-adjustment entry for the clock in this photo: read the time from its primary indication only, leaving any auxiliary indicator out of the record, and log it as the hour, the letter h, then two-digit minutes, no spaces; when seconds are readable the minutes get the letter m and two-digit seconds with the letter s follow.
5h15
